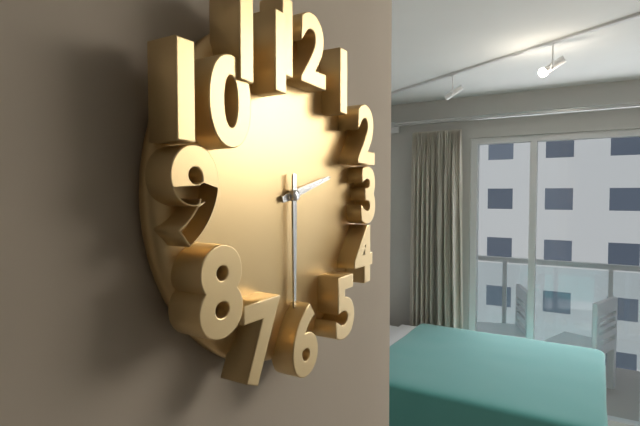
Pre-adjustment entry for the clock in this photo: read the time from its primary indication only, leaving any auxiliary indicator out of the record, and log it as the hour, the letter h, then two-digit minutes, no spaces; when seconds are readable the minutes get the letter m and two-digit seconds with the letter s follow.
2h30
